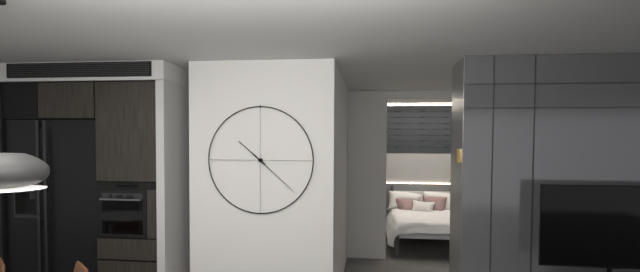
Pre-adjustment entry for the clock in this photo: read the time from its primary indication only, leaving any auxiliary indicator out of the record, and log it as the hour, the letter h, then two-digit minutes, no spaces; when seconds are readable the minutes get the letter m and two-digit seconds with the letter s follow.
10h22
